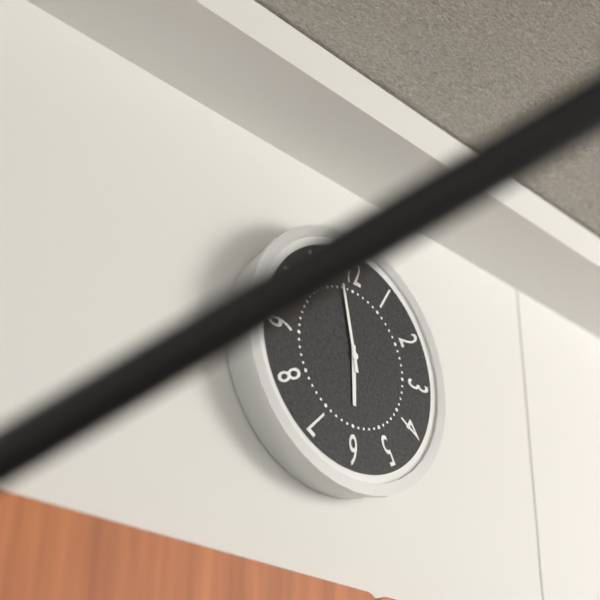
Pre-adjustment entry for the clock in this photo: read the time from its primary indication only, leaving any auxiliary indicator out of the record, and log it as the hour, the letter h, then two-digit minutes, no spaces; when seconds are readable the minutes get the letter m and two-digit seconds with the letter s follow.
5h58
